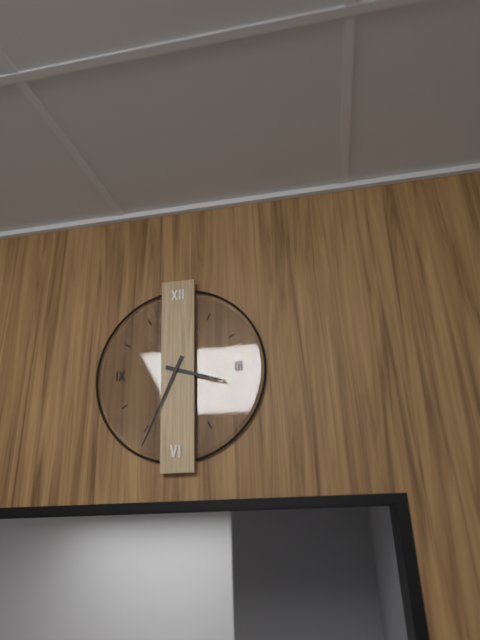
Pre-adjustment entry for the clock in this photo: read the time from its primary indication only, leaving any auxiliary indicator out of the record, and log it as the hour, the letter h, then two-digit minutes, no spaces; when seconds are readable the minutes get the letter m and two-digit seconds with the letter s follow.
3h34
